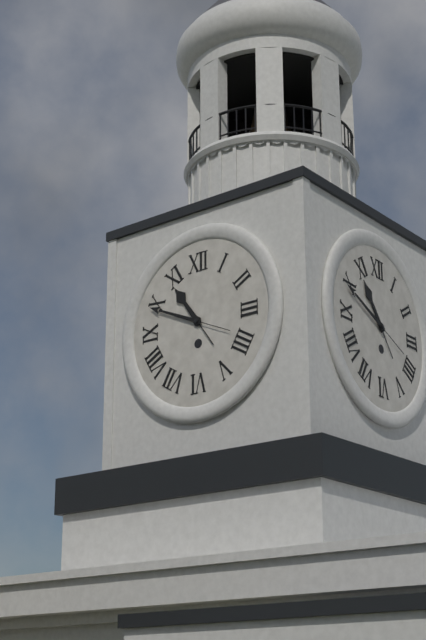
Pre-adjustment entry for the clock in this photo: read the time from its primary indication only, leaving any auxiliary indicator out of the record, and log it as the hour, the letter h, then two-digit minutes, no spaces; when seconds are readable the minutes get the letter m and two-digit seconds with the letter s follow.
10h49
